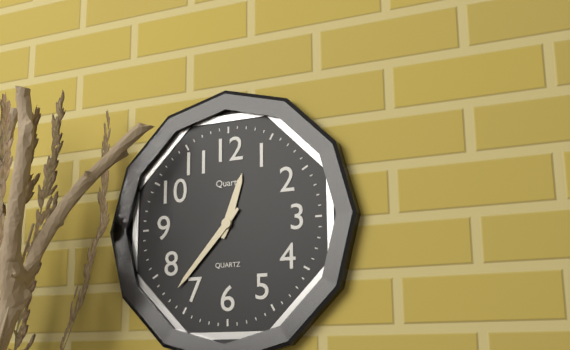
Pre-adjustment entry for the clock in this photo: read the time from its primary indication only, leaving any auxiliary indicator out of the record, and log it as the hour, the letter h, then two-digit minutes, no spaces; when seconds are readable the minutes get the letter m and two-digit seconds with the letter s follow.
12h37
